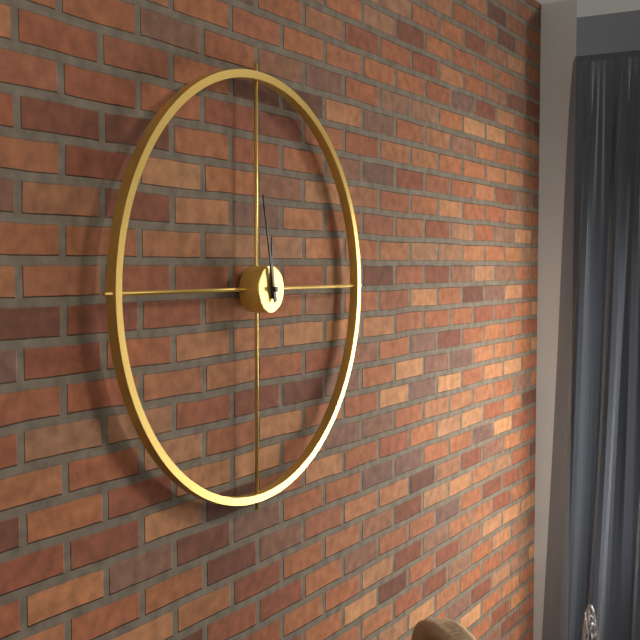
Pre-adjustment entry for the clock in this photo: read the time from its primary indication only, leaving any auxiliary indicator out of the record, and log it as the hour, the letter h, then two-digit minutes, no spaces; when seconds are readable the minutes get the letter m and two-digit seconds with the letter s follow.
11h58
